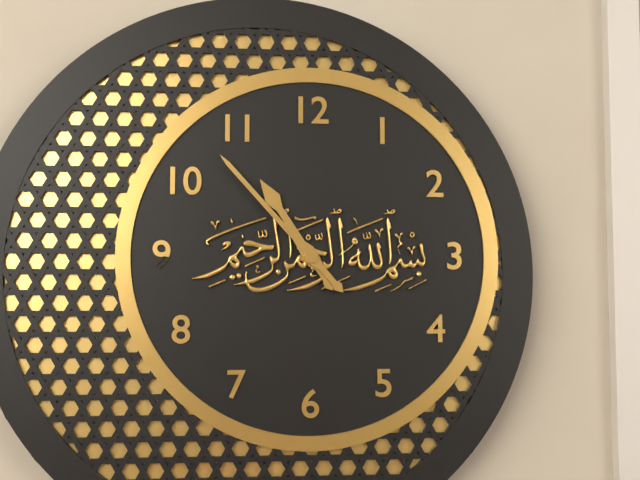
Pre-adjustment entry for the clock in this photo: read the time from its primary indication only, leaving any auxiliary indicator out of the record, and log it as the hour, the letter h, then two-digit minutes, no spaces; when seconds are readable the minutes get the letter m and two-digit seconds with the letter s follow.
10h53
